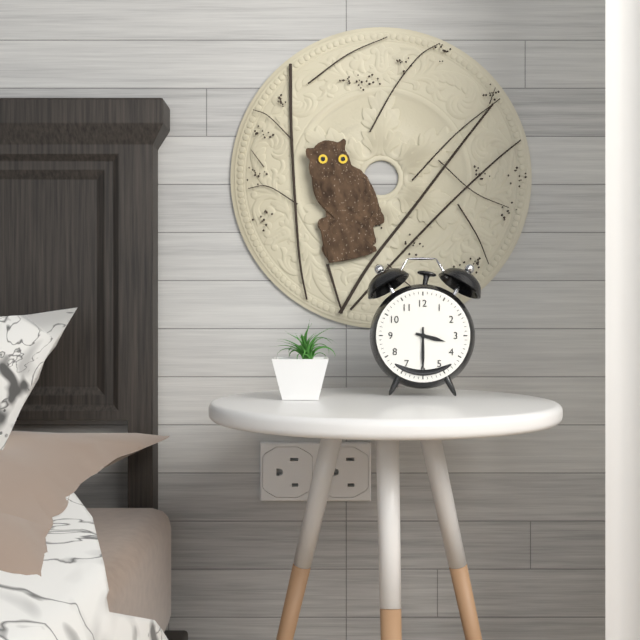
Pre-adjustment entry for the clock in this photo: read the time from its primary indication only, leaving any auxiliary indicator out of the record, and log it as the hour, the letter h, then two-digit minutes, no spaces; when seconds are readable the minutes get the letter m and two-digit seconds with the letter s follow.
3h30
